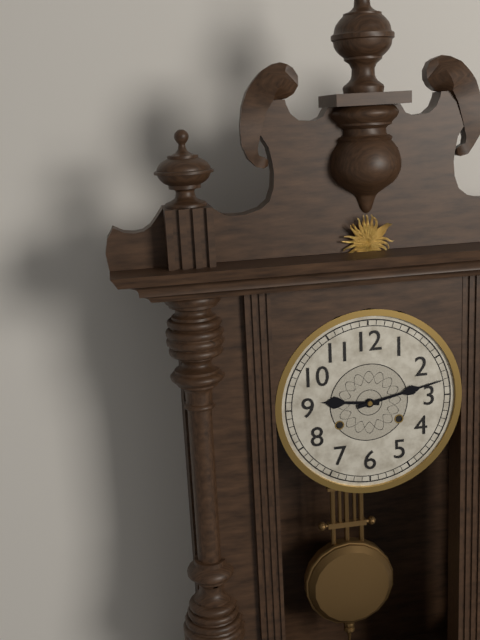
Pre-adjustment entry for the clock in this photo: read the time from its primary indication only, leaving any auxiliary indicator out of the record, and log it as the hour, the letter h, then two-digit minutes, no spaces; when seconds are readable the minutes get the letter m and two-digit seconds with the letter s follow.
9h13
